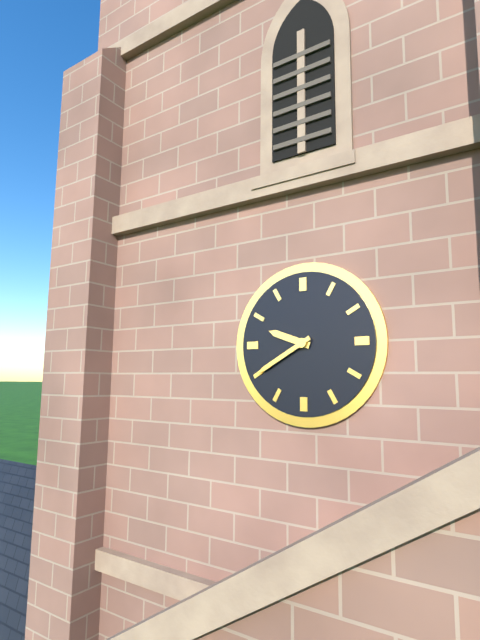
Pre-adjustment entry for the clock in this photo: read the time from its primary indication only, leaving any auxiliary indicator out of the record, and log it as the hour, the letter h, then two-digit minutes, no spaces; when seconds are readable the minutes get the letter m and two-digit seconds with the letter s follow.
9h40
